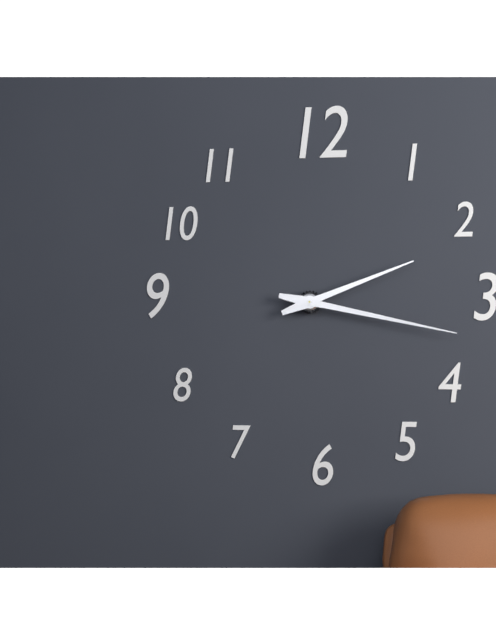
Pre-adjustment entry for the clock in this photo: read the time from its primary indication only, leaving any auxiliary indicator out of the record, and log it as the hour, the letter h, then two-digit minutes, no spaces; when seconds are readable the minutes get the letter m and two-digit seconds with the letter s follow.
2h17
